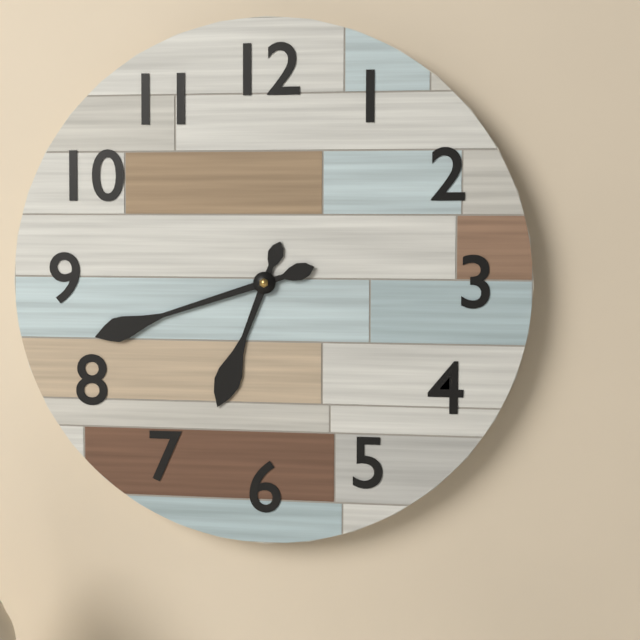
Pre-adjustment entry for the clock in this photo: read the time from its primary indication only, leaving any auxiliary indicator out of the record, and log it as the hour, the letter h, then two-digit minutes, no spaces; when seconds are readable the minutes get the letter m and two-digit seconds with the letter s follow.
6h42
